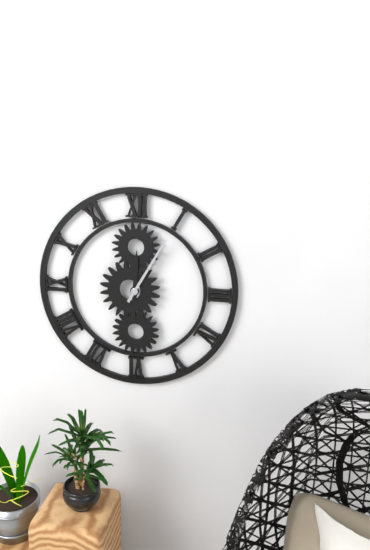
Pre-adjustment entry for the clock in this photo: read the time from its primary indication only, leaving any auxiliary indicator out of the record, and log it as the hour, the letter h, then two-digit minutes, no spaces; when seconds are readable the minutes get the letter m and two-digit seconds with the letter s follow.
12h05
